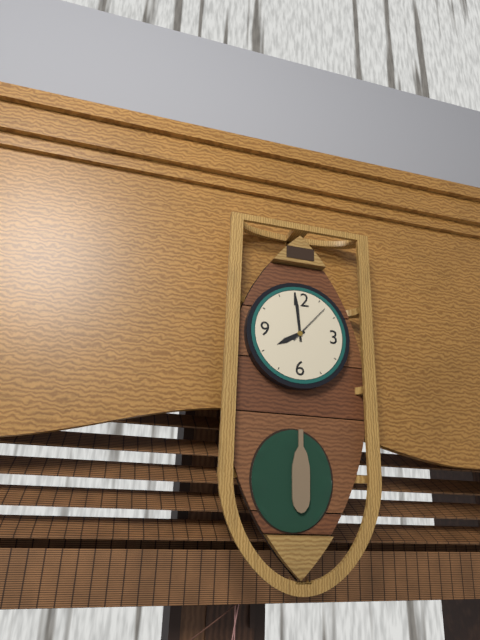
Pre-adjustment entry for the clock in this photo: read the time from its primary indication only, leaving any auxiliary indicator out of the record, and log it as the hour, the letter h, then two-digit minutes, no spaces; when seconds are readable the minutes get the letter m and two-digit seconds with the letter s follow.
7h59
